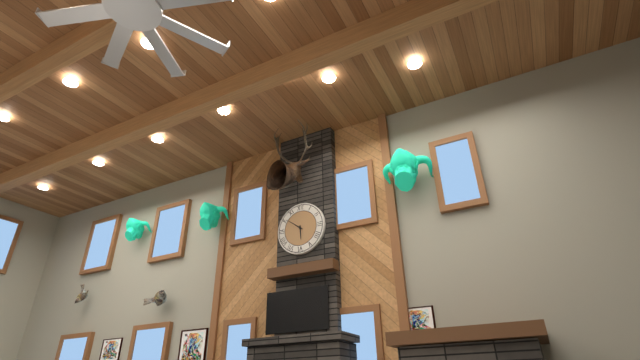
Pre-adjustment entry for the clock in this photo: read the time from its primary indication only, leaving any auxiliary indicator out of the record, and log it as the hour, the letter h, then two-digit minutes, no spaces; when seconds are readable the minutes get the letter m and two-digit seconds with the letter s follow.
5h51
